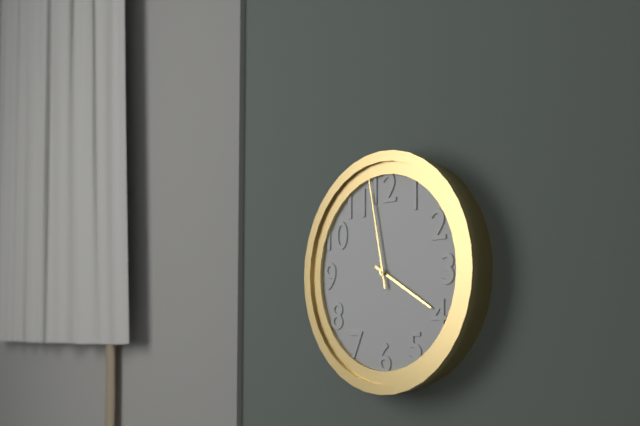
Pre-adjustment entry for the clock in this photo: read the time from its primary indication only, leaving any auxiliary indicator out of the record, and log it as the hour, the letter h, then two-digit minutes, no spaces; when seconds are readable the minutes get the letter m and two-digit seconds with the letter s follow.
3h58
